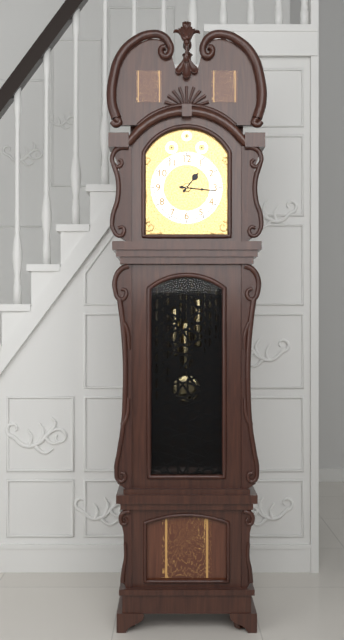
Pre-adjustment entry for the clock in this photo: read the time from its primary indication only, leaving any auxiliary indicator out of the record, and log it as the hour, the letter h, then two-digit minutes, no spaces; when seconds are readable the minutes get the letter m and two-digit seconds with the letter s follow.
1h16
